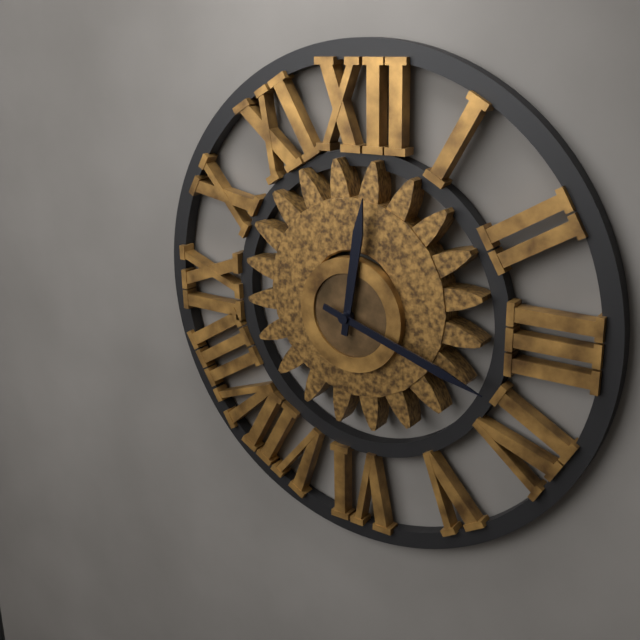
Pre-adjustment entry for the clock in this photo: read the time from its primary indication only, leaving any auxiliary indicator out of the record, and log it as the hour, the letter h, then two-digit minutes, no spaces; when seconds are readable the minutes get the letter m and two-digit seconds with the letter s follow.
12h18
